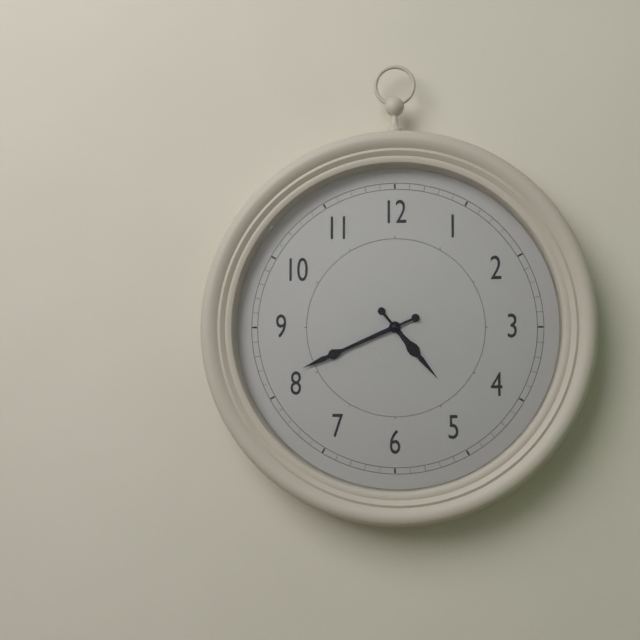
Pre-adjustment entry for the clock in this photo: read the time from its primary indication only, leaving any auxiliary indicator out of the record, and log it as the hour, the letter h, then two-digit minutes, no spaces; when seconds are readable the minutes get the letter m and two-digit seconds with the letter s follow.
4h41
